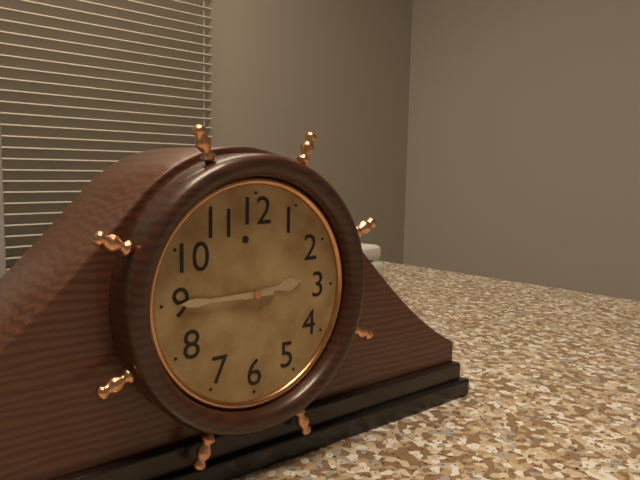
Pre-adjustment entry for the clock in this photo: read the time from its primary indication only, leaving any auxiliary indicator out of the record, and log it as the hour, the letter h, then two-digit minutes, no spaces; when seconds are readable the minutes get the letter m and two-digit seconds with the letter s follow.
2h45
